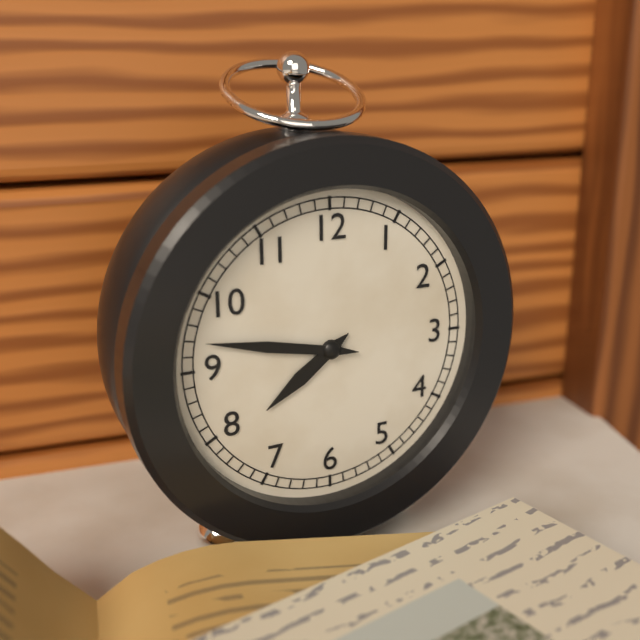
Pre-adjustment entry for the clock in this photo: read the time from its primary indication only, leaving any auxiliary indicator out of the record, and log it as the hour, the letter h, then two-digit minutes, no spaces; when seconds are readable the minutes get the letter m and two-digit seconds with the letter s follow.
7h47
